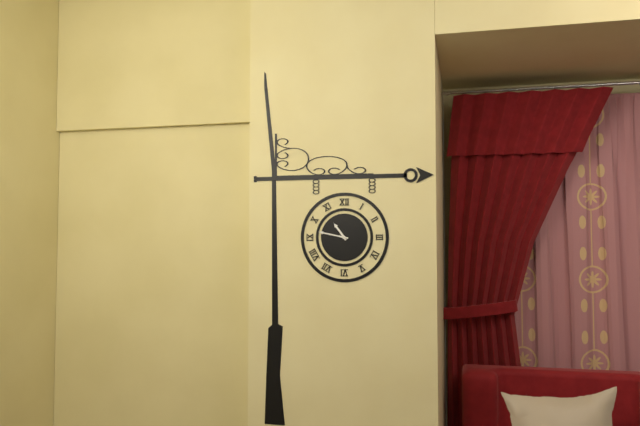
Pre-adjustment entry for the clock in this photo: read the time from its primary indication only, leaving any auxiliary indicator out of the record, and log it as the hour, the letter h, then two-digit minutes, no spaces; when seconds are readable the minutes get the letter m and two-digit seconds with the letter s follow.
10h47
